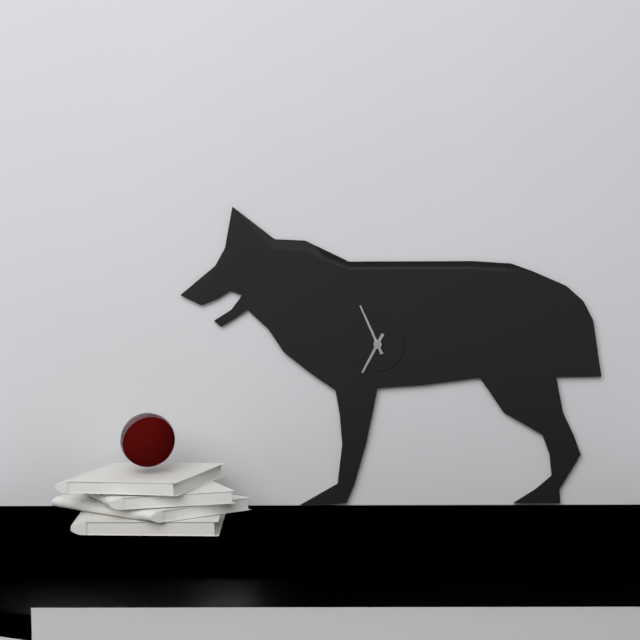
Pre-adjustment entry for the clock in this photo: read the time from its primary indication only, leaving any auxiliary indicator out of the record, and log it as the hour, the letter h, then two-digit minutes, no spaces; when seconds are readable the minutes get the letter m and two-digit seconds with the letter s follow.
6h56
